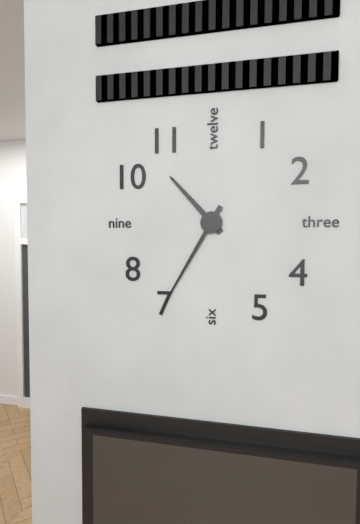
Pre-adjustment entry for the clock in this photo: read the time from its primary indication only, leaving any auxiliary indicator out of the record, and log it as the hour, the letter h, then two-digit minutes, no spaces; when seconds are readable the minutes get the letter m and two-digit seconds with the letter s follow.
10h35
